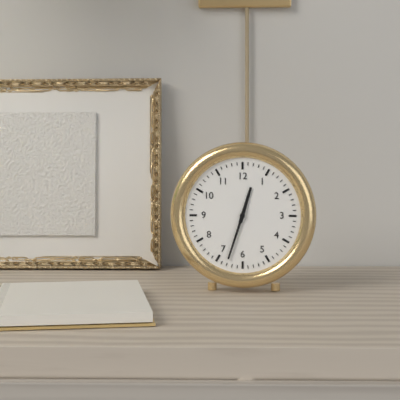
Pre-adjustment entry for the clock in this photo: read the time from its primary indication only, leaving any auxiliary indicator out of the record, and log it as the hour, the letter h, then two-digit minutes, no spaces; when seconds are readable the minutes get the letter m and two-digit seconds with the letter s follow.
12h33
